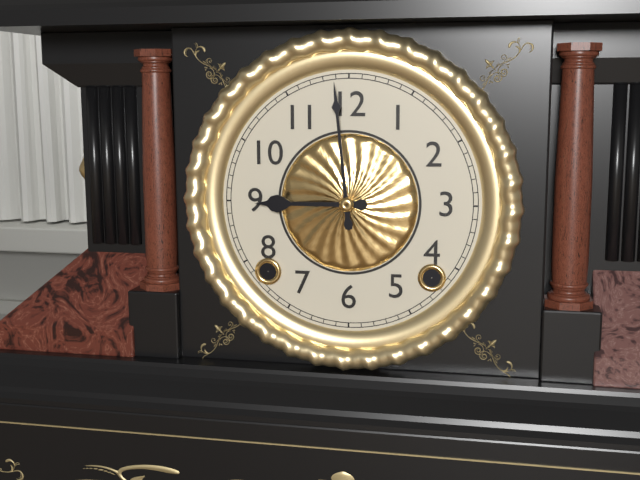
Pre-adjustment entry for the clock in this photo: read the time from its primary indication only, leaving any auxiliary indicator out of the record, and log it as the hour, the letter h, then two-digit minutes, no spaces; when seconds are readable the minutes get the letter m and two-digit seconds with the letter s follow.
8h59
